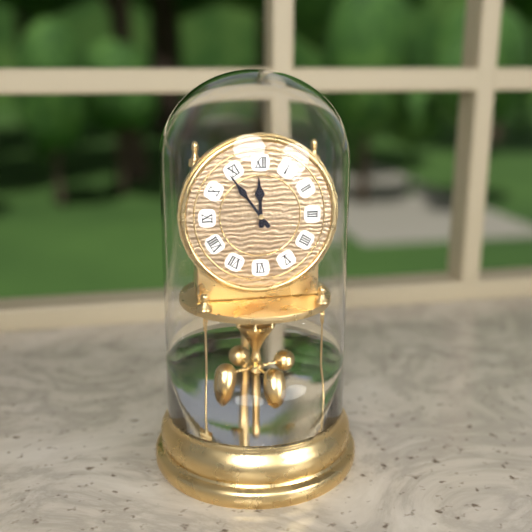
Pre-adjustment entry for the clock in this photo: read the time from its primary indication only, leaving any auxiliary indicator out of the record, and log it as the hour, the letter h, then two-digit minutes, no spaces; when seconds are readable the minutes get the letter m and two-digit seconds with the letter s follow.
11h54
